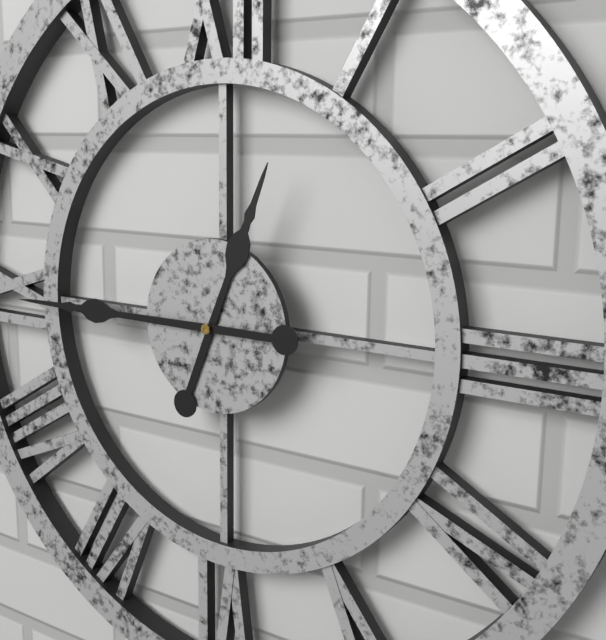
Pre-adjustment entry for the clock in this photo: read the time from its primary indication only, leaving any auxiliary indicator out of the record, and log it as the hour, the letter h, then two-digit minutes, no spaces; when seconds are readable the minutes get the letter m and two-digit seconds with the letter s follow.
12h45
